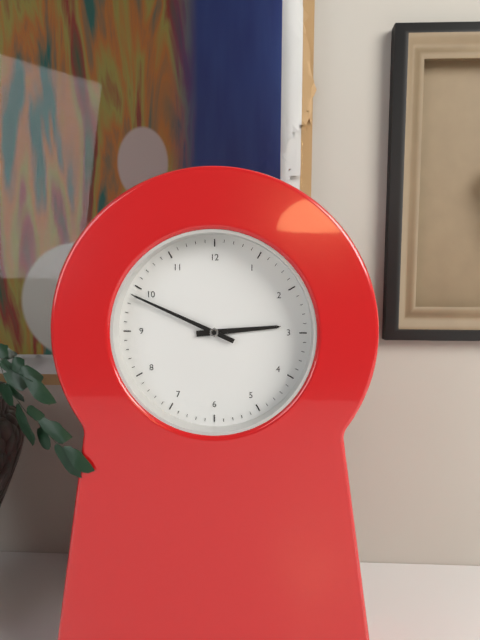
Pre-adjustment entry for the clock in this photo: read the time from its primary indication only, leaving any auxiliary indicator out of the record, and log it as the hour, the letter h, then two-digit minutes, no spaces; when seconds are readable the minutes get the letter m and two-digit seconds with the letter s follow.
2h49
